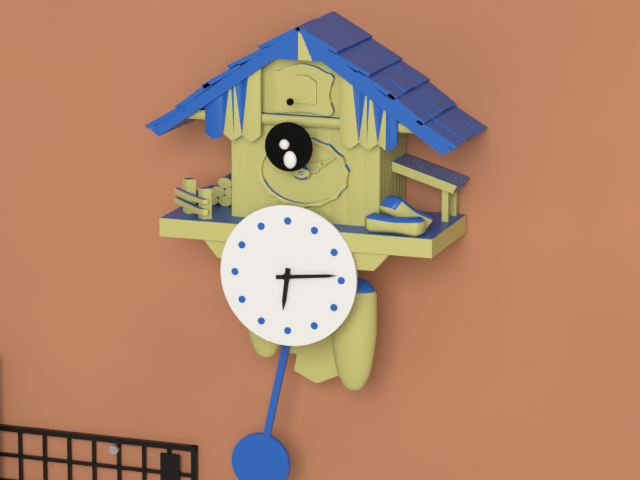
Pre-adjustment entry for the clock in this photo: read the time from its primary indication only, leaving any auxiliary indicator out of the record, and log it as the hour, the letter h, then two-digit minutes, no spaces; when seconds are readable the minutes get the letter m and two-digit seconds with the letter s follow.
6h14
